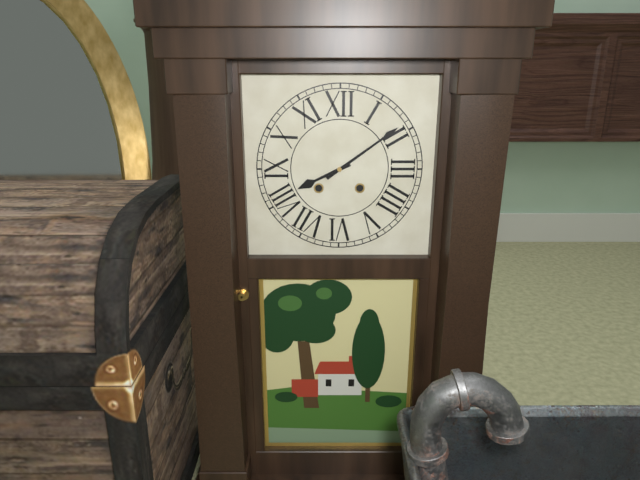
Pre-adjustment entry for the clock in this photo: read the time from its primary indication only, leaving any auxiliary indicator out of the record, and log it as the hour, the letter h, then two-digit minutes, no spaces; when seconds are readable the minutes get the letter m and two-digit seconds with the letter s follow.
8h09
